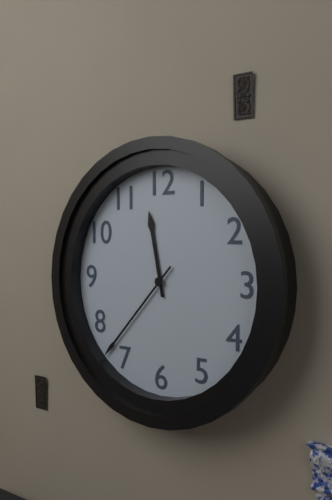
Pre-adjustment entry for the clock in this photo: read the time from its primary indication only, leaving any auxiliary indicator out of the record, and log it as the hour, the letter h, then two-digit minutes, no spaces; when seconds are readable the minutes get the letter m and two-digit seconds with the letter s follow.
11h37
